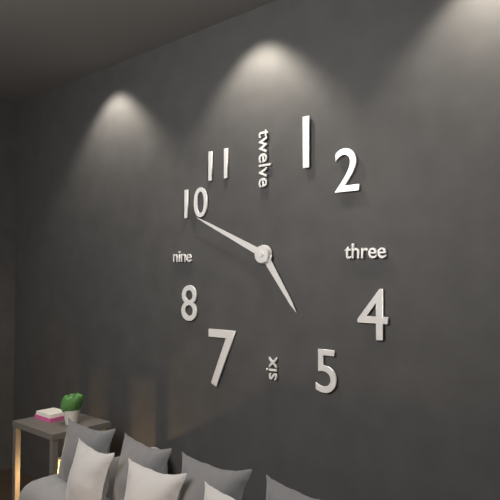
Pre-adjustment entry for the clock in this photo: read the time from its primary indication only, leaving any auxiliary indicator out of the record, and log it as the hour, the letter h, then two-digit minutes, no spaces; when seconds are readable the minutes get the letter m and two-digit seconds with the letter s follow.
4h49
